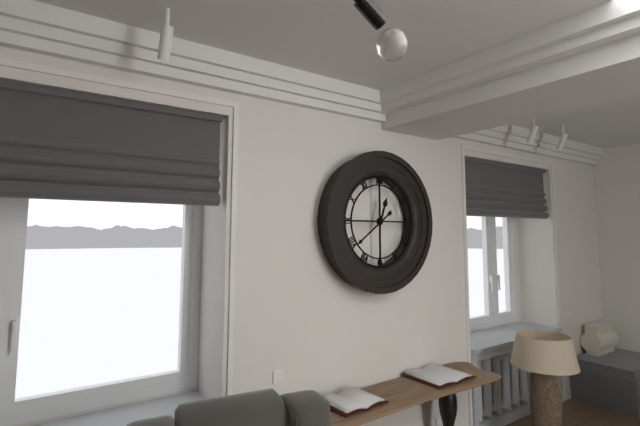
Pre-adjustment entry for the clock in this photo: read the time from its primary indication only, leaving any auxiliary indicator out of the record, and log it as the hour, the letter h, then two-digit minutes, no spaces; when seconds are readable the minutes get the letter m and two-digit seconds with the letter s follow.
12h39
